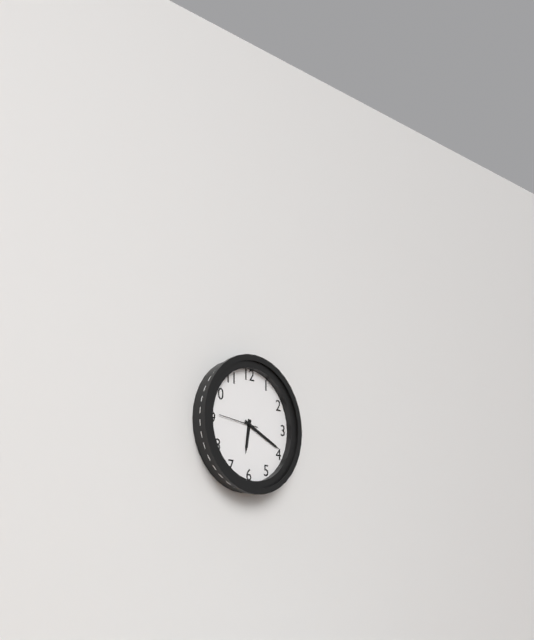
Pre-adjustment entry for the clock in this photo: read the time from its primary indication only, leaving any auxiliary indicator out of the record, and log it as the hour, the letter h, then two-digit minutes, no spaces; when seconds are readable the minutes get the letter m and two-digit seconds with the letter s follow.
6h19
